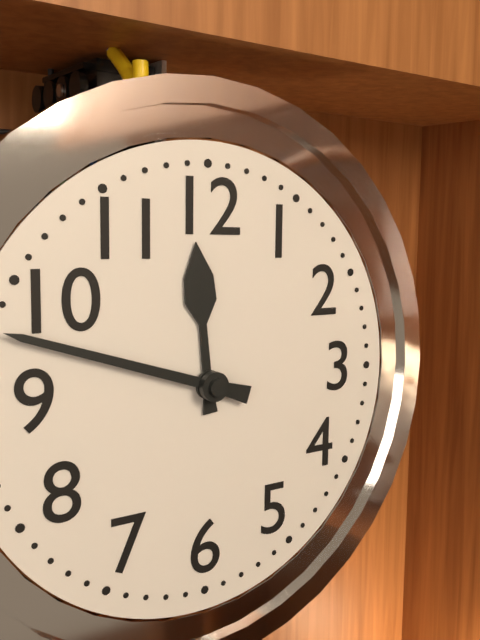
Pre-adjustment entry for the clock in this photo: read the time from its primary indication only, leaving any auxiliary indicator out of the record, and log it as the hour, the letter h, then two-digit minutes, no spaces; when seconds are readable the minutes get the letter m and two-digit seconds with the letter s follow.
11h48
